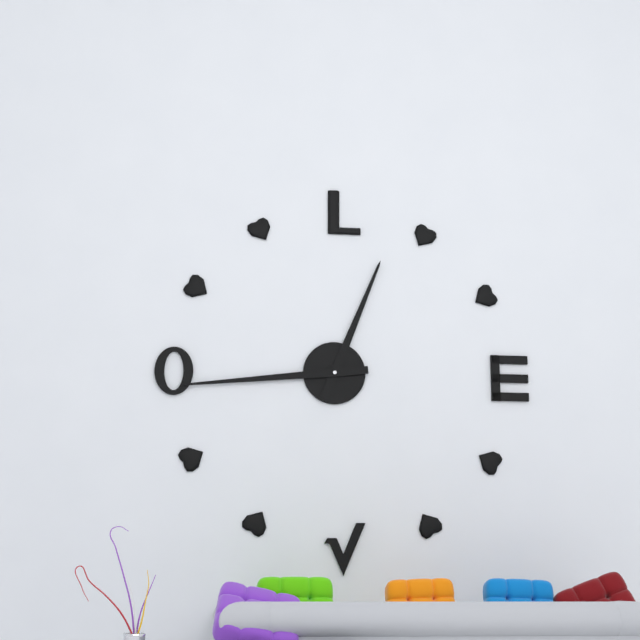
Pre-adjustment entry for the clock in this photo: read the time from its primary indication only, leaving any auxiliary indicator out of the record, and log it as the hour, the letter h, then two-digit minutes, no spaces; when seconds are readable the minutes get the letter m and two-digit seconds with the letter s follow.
12h44
